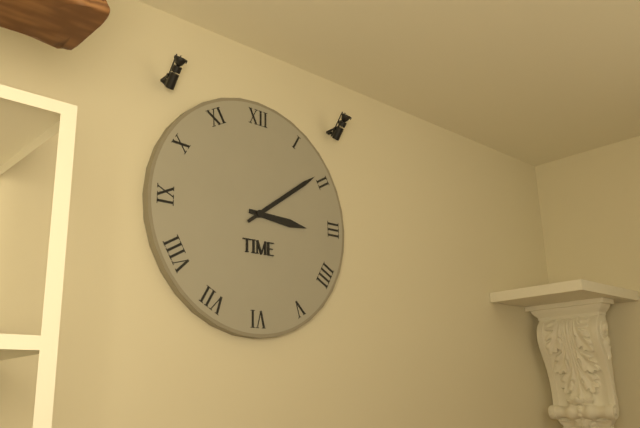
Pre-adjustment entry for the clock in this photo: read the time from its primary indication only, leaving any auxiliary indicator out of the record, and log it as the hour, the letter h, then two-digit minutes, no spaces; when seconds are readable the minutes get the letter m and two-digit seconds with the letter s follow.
3h09
